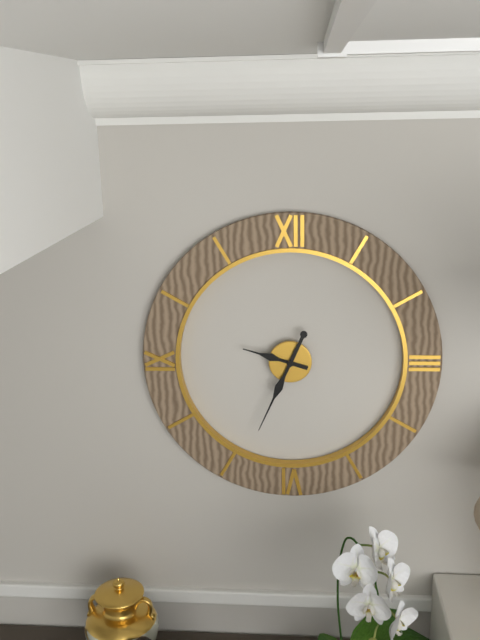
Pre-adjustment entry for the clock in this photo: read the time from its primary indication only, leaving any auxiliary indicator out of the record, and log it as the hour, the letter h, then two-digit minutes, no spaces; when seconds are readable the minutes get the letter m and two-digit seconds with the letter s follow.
9h34
